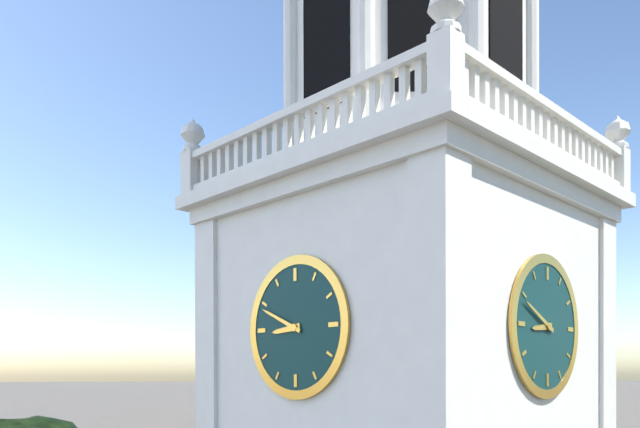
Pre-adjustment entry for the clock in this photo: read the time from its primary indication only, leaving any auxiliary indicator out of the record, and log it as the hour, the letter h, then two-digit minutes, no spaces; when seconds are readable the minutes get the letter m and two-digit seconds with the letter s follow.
8h49
